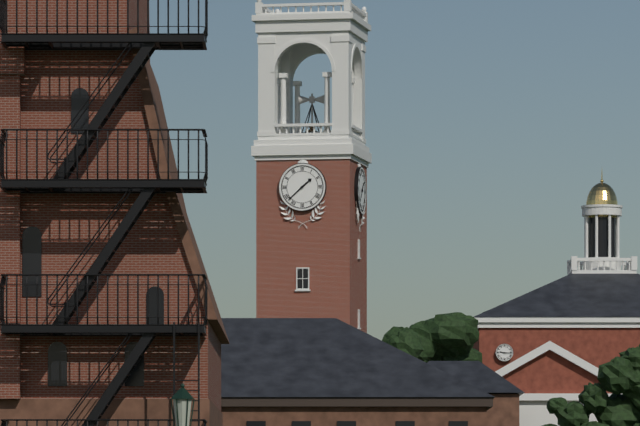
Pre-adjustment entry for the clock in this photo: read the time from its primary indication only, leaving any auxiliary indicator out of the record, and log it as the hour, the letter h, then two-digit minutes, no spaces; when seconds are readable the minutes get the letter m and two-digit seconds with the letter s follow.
1h38
